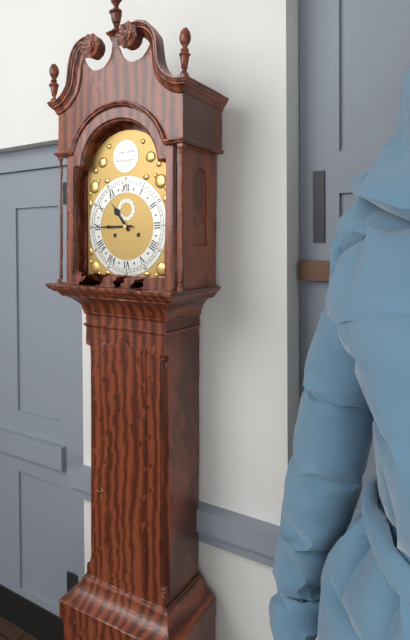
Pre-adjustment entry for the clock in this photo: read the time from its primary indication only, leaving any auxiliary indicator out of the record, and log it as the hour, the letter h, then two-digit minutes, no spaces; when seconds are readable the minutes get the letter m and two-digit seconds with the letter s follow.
10h45
